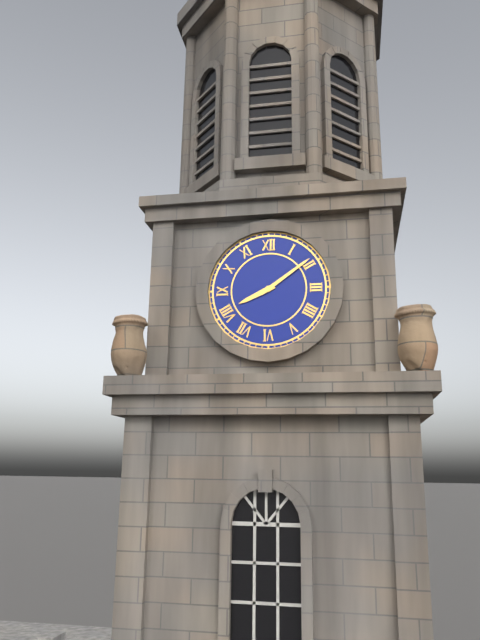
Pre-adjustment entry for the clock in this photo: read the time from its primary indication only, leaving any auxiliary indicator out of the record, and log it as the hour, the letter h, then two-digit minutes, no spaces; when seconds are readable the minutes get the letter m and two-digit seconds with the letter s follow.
8h09
